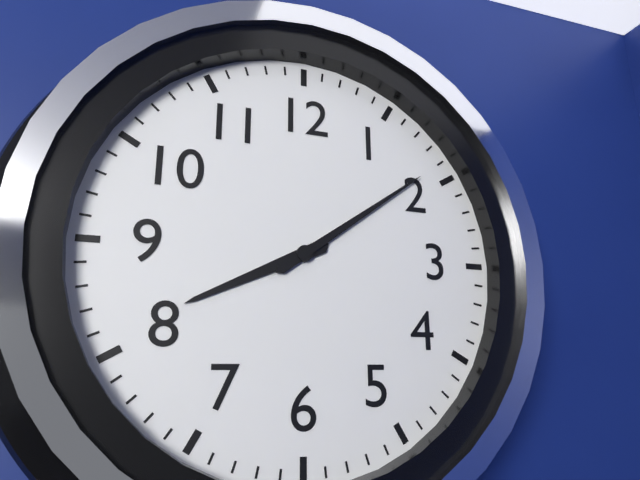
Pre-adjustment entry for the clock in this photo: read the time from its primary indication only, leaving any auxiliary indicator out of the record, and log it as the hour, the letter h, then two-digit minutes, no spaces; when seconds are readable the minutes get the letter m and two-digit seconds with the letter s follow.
8h09
